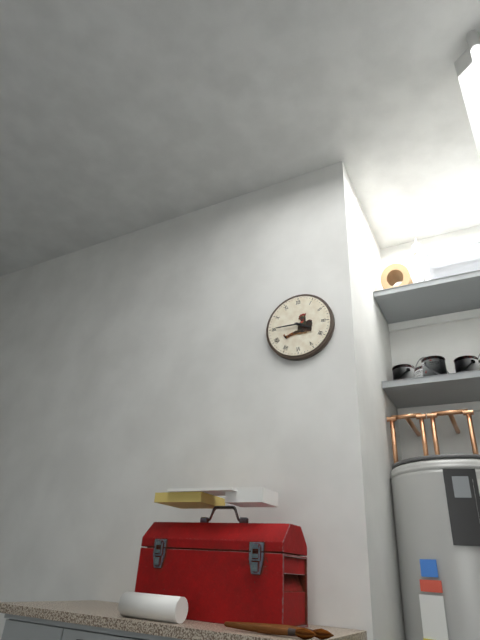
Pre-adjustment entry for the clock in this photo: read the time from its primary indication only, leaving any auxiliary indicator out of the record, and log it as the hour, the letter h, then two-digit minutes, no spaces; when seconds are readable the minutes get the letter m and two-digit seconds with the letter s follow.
3h45
